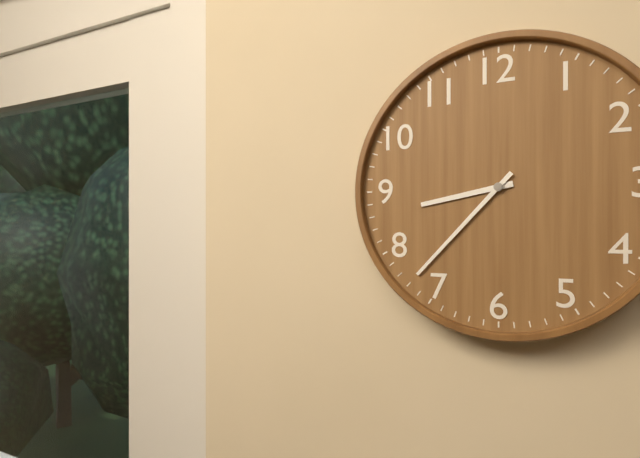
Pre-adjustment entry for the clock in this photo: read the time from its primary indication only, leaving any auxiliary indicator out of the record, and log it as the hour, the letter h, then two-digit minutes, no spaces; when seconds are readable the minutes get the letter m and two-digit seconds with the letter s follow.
8h37
